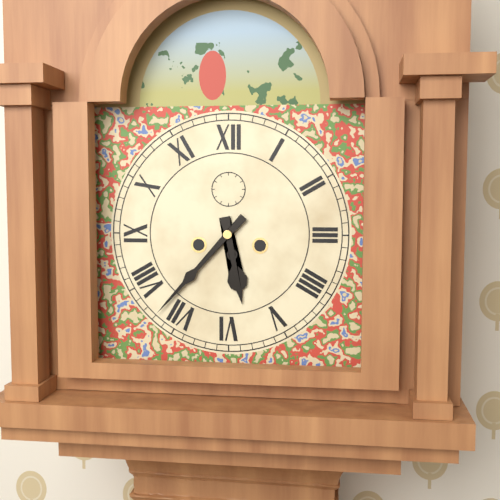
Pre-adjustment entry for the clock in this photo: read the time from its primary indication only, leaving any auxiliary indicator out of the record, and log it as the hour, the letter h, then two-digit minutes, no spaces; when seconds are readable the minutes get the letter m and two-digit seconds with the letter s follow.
5h37
